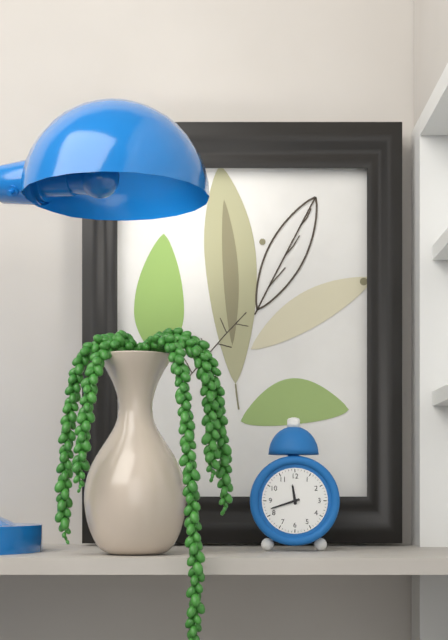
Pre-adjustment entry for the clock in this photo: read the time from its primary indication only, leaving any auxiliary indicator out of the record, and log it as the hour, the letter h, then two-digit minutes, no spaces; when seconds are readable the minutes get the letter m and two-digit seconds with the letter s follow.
11h42
